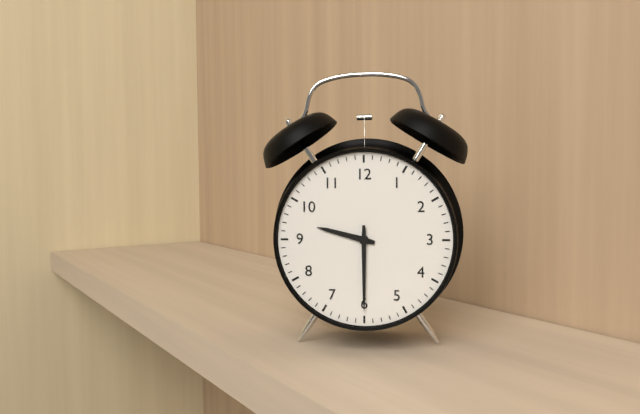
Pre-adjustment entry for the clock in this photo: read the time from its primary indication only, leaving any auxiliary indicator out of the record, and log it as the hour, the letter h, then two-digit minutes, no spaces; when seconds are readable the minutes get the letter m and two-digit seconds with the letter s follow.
9h30
